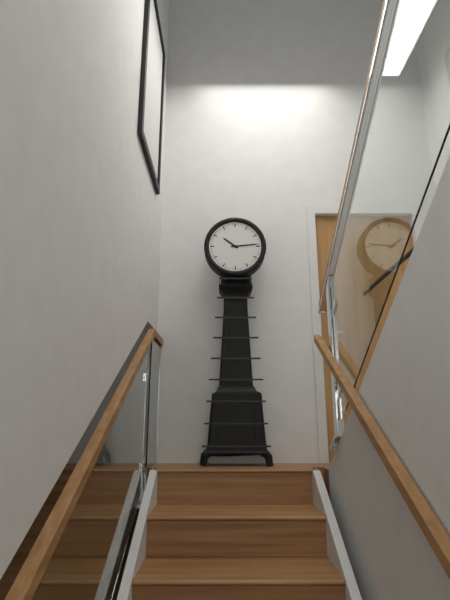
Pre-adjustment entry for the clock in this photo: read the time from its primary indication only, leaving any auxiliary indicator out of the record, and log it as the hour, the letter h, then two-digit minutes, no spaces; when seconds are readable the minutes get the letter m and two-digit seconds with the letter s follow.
10h14
